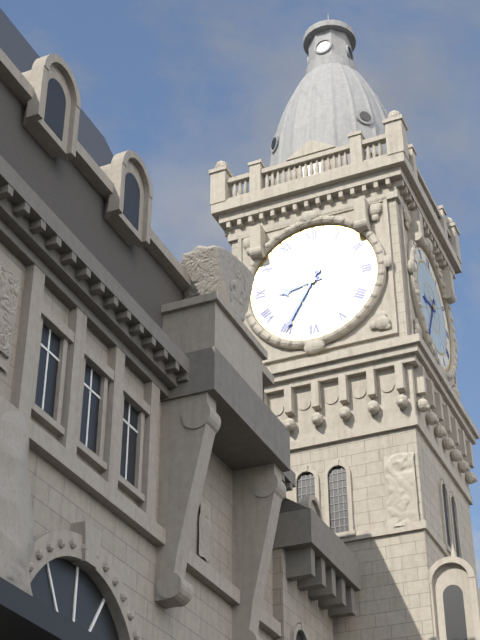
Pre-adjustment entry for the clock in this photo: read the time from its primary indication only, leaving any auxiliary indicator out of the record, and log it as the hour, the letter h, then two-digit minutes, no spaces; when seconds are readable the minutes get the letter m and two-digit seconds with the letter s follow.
8h35
